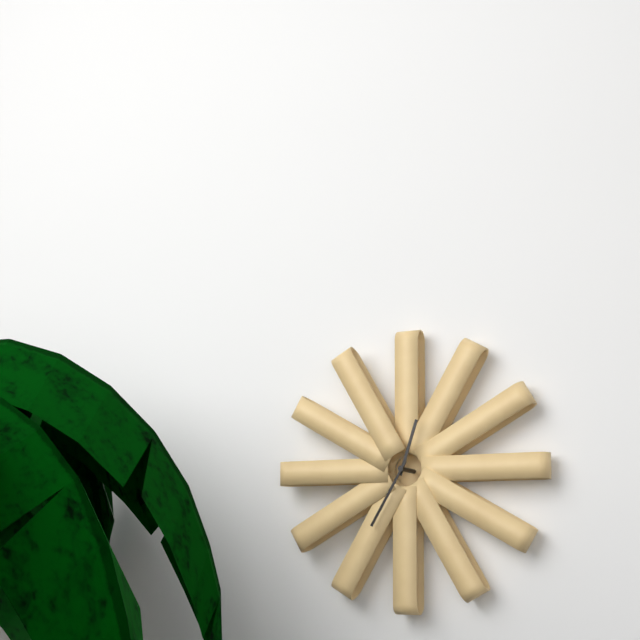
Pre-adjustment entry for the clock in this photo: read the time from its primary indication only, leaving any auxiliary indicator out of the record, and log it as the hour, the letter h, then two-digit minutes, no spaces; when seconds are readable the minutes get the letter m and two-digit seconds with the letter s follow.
12h35
